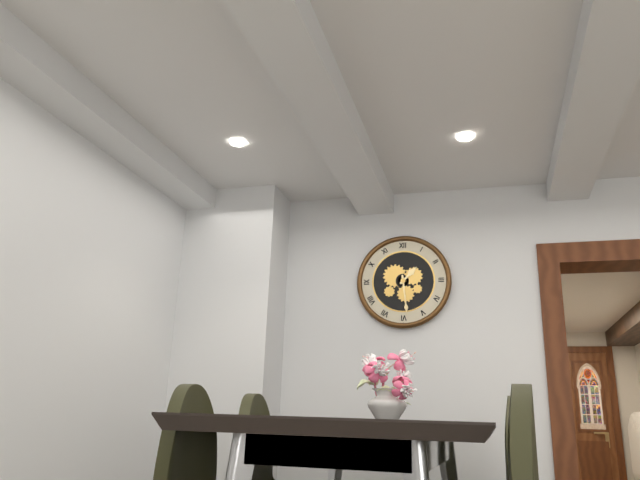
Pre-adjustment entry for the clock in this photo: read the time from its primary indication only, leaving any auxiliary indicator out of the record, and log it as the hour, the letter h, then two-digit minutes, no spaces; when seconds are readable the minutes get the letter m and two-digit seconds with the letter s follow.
1h29
